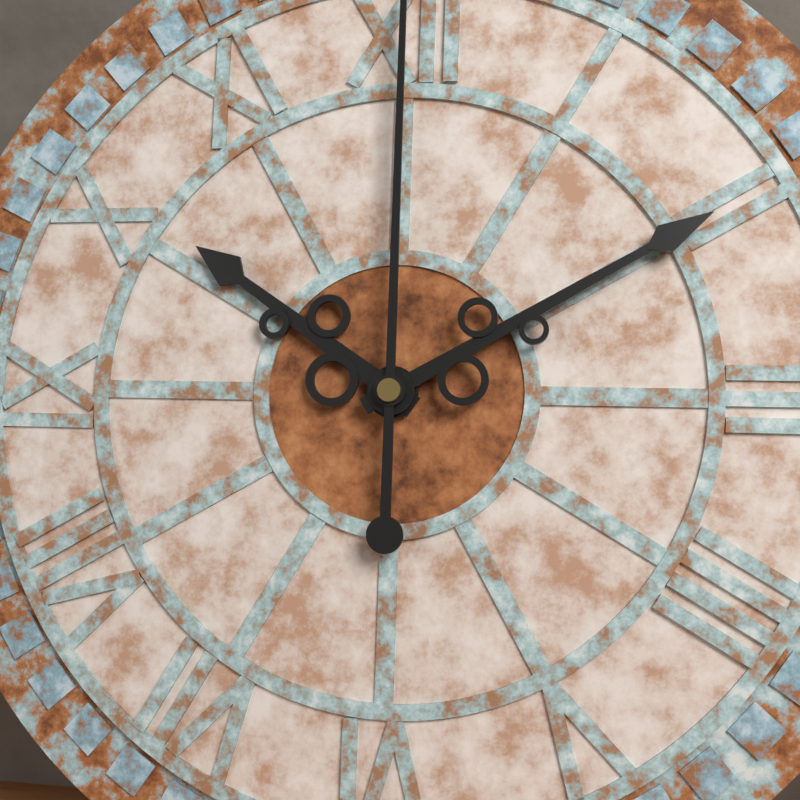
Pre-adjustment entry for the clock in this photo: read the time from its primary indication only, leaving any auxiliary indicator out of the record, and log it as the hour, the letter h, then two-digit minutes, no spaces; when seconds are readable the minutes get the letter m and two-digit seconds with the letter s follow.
10h10
